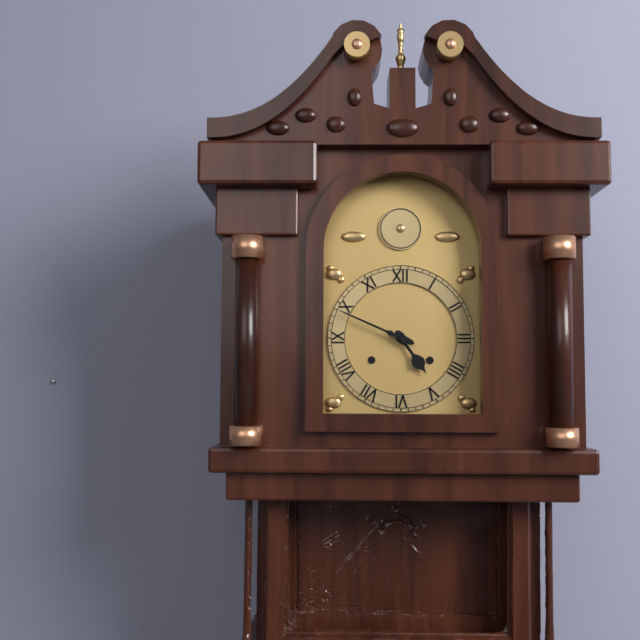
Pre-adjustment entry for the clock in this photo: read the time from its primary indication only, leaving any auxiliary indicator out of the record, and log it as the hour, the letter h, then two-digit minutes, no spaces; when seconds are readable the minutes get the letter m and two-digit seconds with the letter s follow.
4h49
